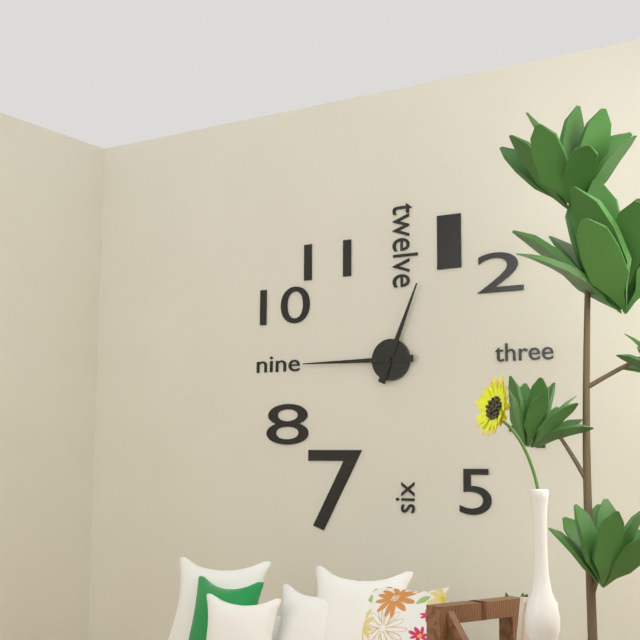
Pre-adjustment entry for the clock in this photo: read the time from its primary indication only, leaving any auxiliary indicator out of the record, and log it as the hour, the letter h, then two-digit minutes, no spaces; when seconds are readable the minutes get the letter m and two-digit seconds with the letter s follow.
12h45
